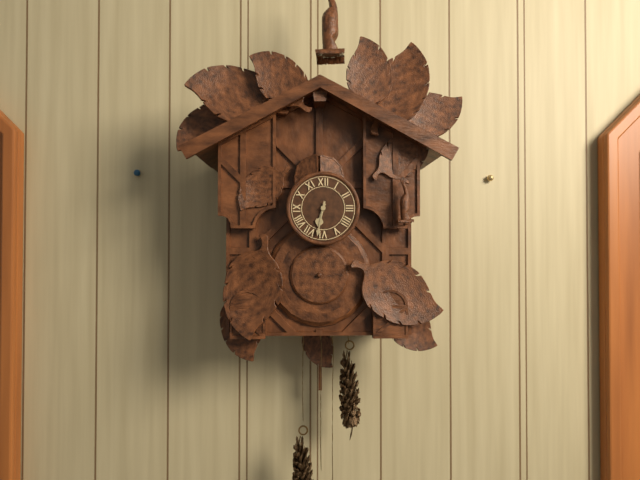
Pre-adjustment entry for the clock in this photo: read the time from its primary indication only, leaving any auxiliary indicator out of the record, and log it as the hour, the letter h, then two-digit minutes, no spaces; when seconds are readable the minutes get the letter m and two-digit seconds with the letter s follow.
6h32
